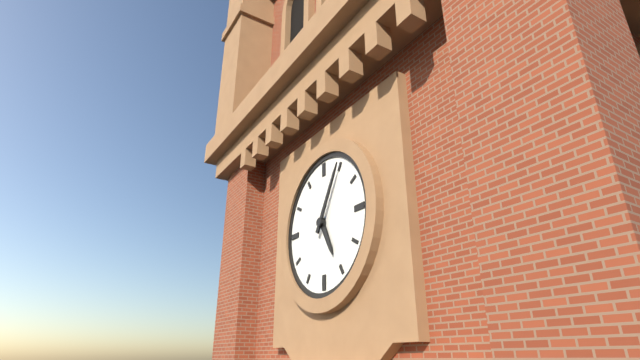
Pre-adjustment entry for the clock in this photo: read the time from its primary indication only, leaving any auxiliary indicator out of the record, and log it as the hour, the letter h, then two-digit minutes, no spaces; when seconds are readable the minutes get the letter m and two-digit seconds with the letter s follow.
5h05
